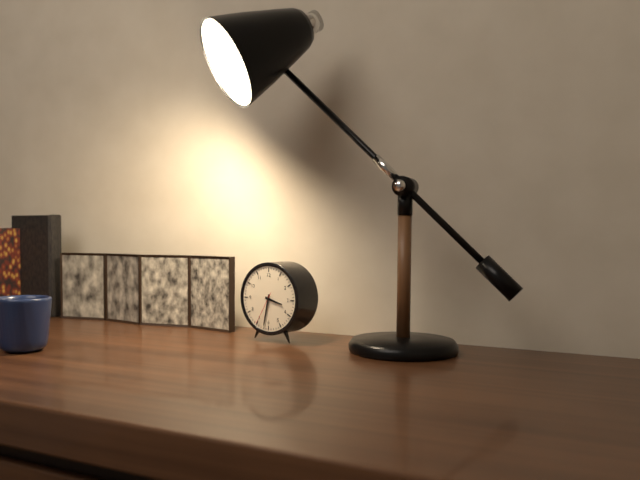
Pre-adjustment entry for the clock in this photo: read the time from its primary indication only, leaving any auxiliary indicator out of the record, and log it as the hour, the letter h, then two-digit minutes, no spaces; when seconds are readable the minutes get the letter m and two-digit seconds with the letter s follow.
3h32
